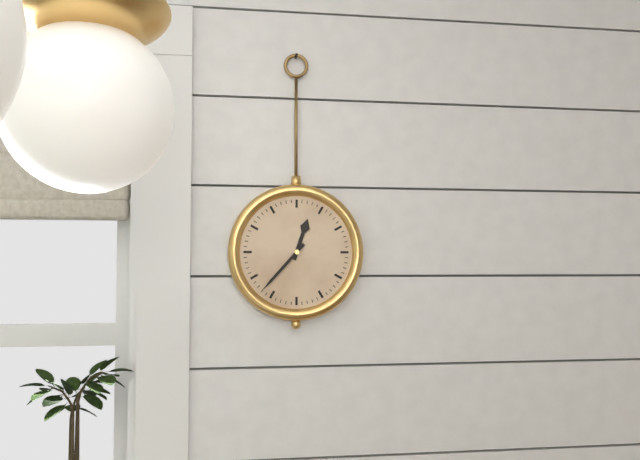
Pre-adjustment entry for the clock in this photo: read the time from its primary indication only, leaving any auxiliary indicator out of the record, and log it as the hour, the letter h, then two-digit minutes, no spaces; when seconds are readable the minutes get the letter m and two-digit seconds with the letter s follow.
12h37
